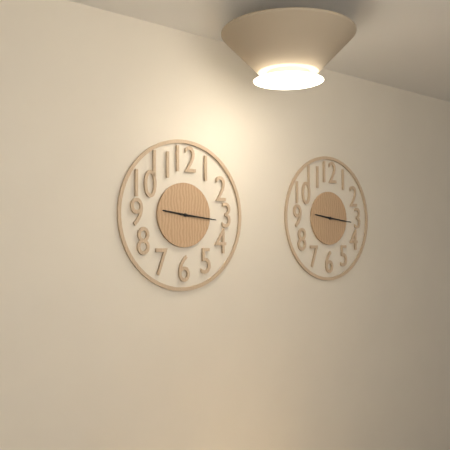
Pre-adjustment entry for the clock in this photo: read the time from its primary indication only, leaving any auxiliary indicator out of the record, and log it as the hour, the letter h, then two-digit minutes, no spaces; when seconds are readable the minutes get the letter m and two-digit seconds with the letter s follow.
9h16
